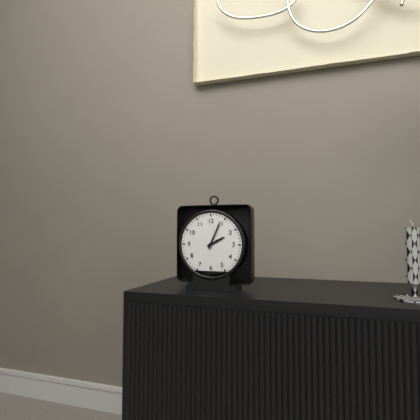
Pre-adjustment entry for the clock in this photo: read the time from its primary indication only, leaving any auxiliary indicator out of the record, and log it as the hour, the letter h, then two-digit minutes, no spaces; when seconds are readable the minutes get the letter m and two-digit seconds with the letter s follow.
2h04
